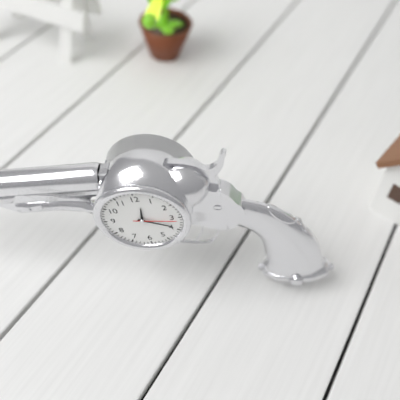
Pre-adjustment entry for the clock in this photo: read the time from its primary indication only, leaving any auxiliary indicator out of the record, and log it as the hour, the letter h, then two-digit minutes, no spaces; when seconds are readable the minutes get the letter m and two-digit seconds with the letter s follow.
12h19
